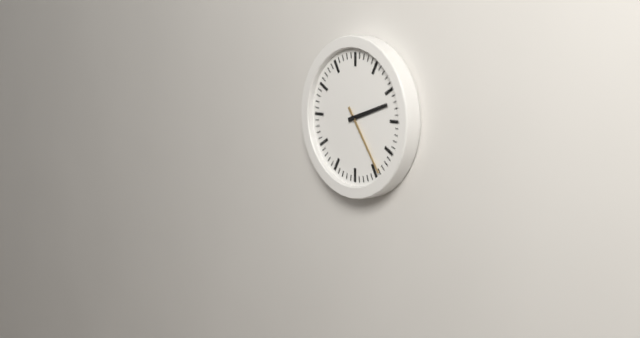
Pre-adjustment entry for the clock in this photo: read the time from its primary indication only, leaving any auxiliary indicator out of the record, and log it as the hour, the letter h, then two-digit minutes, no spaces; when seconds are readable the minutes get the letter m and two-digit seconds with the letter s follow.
2h24
